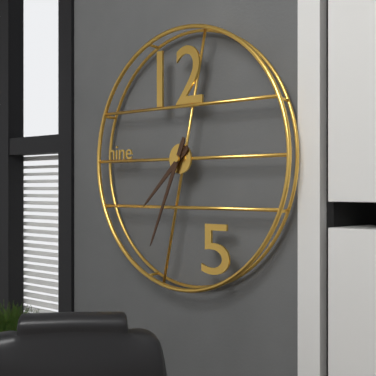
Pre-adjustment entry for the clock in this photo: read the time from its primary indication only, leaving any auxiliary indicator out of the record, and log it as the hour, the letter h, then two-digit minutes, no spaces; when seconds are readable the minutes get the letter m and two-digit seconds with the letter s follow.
7h34
